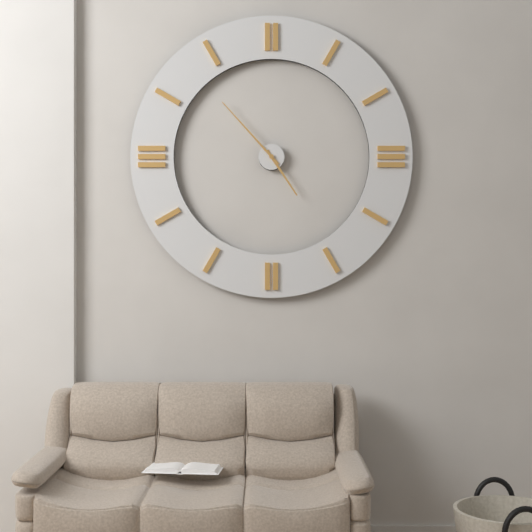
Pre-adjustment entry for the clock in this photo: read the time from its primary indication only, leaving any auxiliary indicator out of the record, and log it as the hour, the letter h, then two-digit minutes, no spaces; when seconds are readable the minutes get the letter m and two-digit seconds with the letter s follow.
4h53
